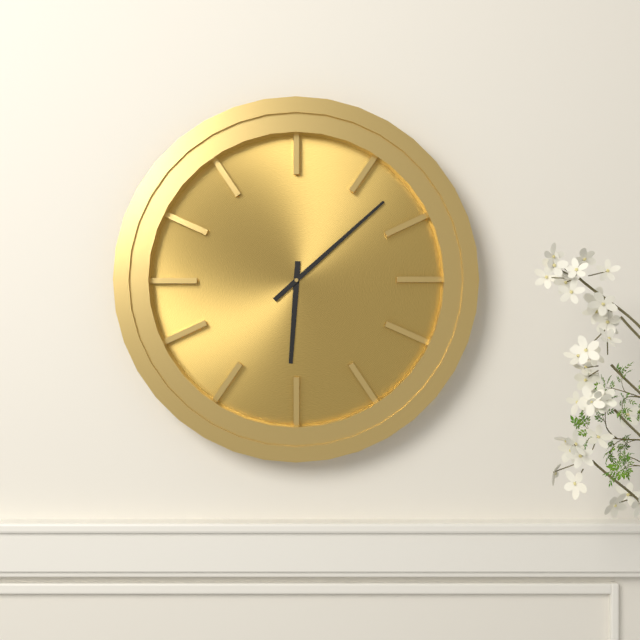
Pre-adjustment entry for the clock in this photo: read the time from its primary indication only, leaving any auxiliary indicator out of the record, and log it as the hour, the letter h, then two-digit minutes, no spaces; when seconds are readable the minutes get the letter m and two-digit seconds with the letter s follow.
6h08
